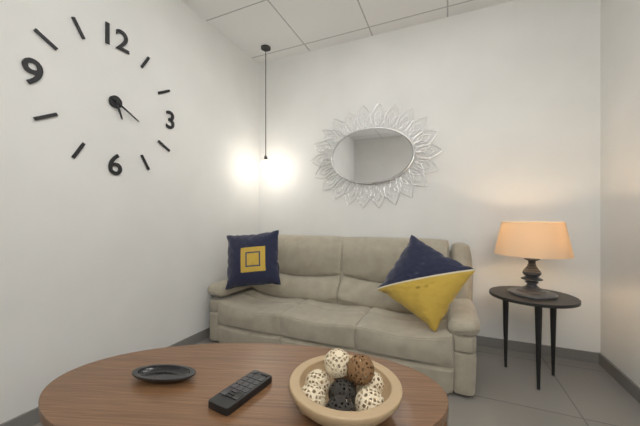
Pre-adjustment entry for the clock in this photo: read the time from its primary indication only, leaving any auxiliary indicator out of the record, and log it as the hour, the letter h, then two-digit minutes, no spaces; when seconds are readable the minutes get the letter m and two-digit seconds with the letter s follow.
5h20
